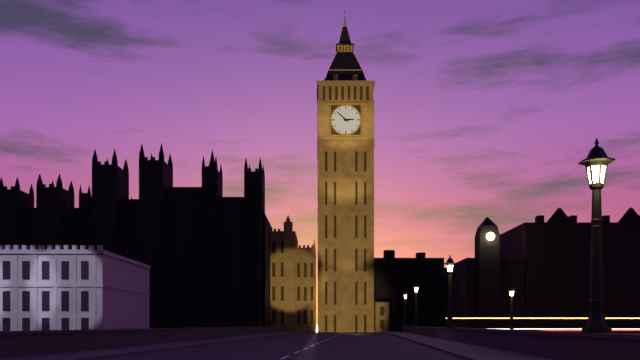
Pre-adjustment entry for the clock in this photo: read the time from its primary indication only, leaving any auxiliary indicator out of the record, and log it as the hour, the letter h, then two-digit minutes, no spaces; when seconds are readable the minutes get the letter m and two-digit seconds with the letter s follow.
2h52
